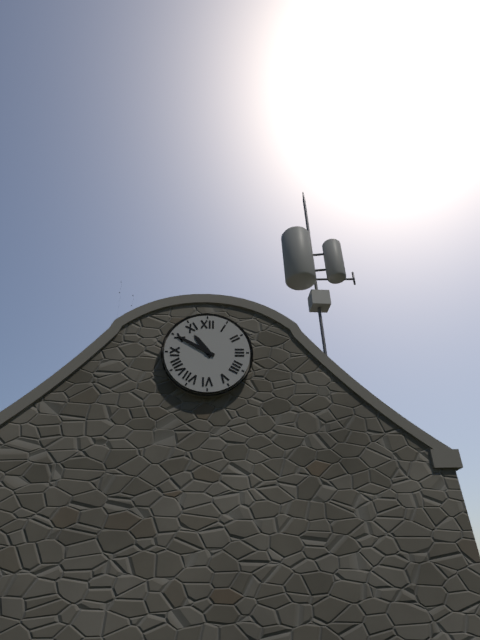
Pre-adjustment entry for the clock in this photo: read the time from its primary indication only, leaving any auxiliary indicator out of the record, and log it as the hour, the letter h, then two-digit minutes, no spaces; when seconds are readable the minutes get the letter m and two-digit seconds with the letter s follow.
10h50
